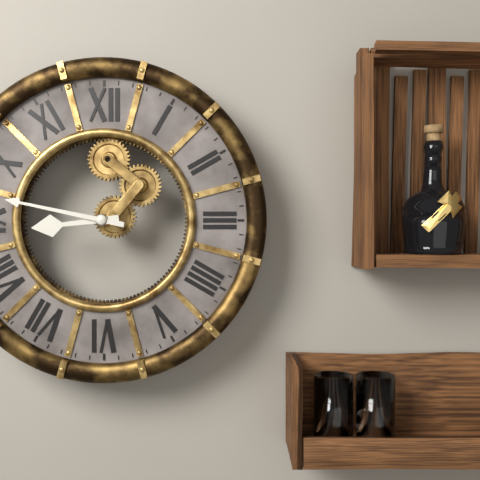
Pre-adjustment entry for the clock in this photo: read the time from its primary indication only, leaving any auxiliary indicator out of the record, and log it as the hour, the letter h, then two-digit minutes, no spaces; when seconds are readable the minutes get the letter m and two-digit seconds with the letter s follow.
8h47
